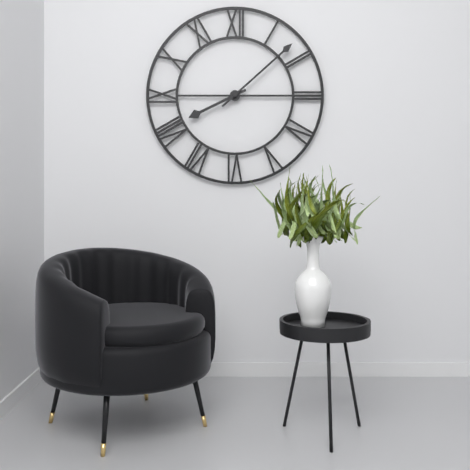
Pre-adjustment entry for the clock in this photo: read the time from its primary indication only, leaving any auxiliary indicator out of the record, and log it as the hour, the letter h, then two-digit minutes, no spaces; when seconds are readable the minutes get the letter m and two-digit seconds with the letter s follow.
8h08
